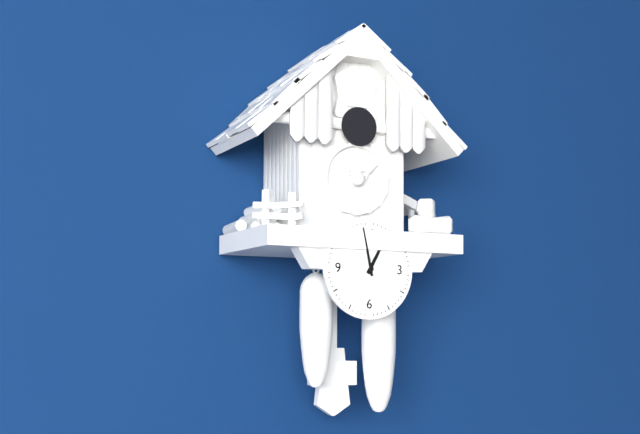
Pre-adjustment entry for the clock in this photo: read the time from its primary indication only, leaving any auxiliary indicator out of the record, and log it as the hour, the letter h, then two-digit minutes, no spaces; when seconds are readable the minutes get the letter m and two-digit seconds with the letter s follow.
12h58
